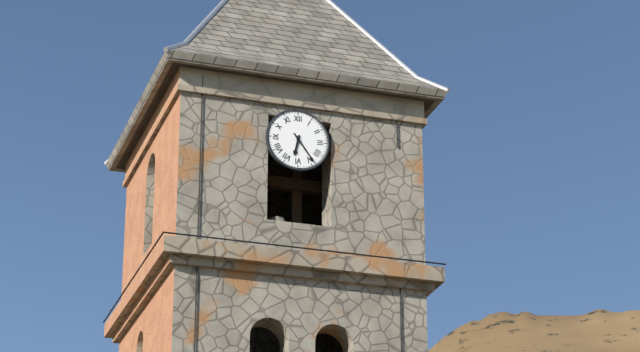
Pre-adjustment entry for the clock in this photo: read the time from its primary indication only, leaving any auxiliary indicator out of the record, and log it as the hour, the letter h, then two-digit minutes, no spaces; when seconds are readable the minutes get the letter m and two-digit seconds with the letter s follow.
6h24
